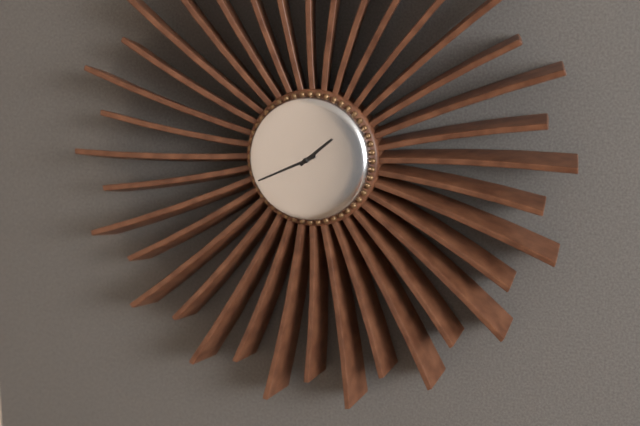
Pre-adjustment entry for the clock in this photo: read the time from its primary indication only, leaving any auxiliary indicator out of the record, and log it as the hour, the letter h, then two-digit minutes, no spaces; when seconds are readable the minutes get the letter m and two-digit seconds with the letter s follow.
1h41
